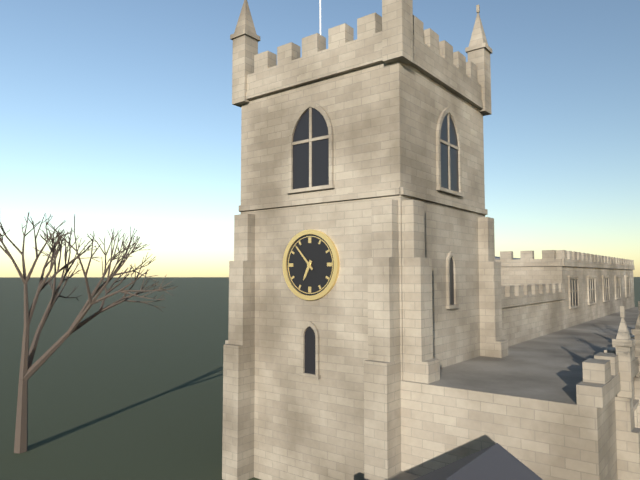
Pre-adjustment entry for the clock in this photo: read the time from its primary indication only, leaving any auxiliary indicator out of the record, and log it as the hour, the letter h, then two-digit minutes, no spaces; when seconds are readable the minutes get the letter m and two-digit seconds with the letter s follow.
6h53
